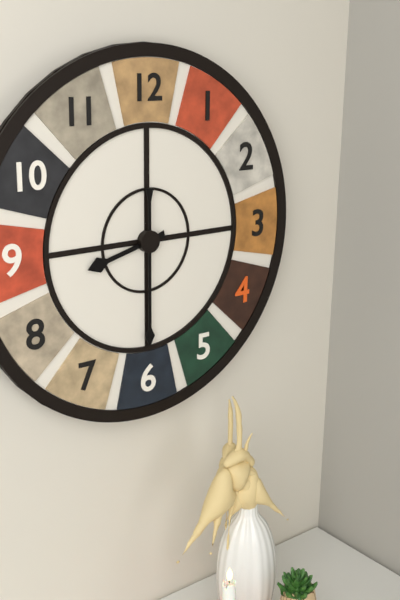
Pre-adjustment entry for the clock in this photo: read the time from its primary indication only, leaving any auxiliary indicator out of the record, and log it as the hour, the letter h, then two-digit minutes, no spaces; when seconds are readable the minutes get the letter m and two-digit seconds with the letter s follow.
8h30
